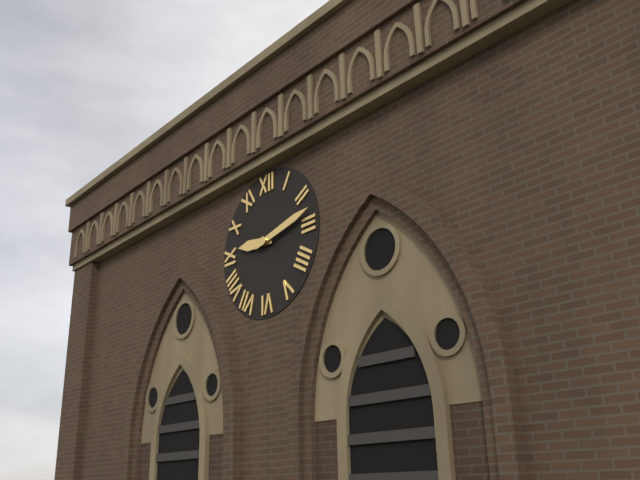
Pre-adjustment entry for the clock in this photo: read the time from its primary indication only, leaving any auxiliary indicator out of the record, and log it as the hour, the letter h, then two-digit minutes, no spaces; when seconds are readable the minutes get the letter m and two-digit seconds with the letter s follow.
9h13
